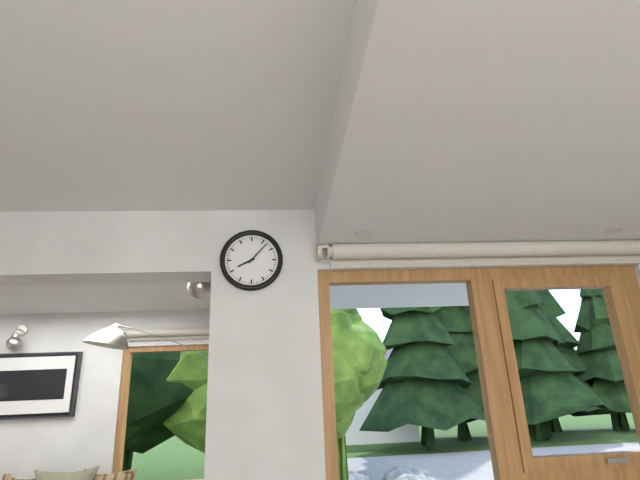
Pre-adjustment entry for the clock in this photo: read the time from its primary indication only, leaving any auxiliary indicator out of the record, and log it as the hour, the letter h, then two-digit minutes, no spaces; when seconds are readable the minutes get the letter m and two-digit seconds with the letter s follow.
8h07
